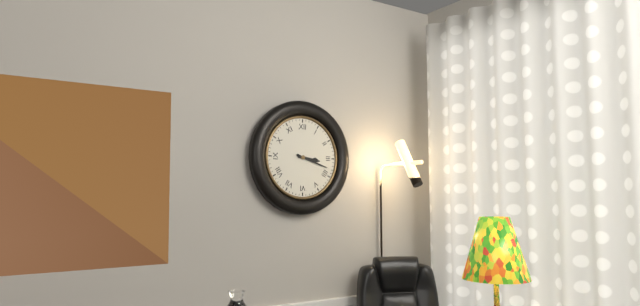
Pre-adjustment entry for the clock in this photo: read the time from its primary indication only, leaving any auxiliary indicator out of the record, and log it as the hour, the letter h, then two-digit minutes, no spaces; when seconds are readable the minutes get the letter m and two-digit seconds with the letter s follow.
3h18
